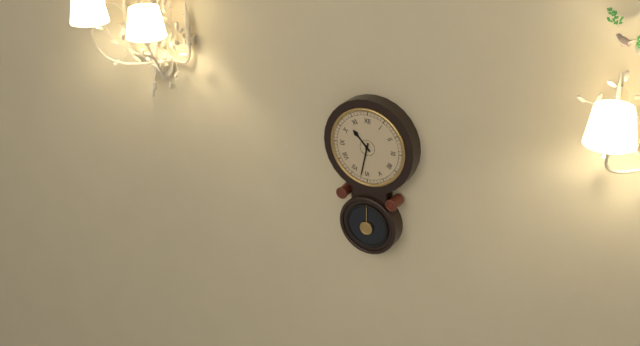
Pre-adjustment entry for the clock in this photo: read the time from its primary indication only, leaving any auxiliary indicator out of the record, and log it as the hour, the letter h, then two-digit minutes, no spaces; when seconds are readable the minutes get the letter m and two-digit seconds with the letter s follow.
10h32
